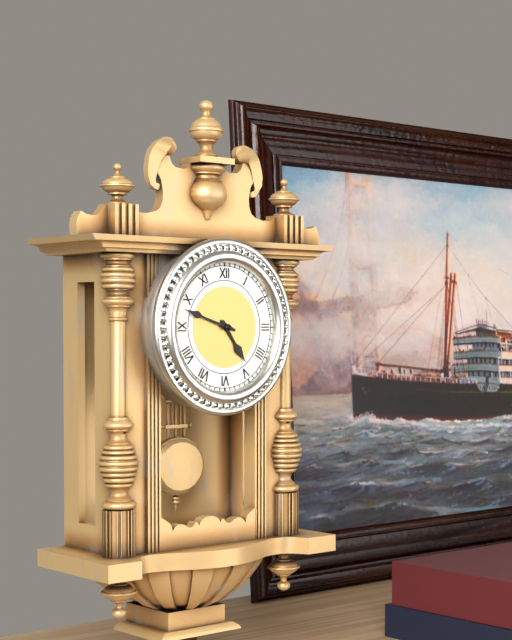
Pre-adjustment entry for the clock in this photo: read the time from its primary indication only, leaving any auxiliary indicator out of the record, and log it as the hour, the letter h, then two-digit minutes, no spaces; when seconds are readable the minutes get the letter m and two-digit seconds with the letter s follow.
4h48
